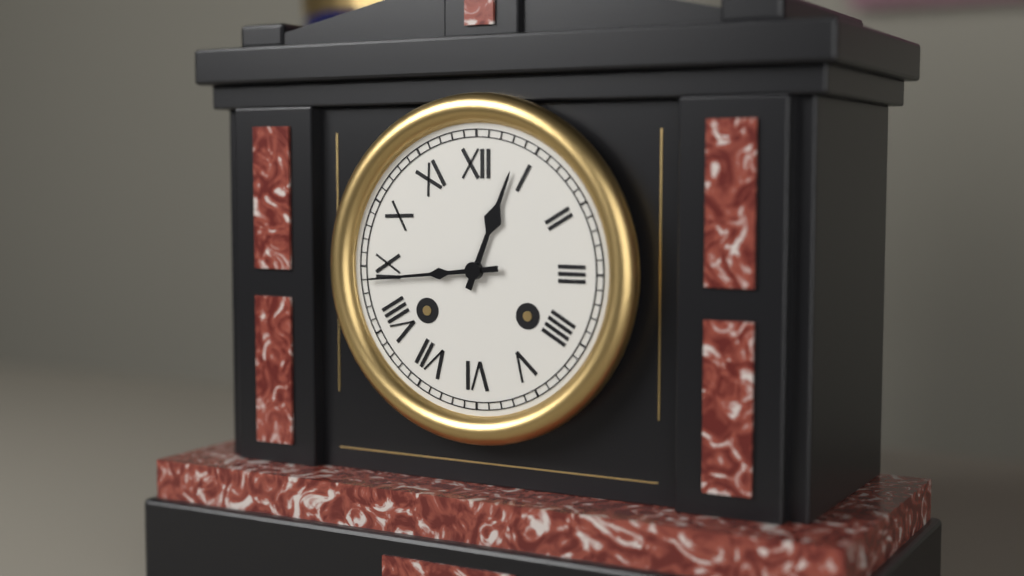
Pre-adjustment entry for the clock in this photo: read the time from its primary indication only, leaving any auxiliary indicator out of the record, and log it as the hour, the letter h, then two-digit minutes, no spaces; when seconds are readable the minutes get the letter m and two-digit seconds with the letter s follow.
12h44
